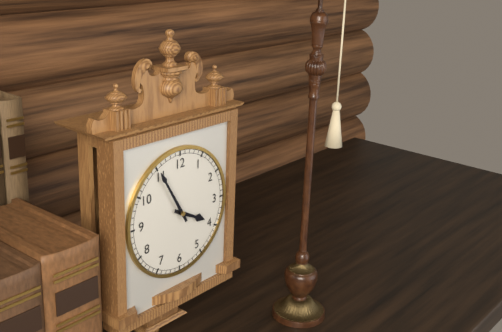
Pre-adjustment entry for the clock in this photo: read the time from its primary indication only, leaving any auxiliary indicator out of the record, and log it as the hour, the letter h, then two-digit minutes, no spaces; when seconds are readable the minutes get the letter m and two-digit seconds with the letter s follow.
3h55
